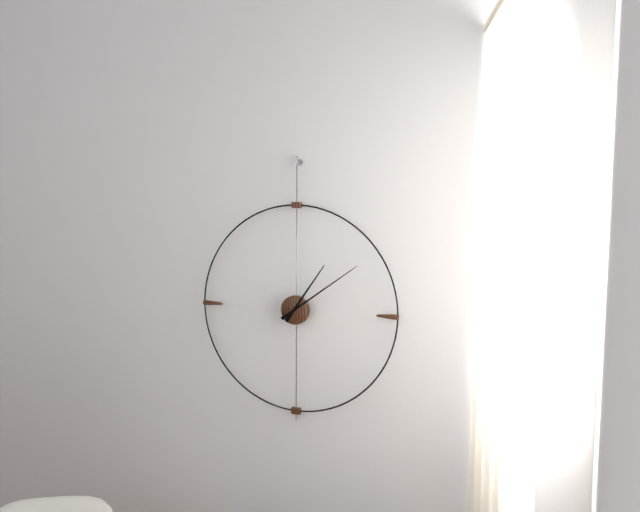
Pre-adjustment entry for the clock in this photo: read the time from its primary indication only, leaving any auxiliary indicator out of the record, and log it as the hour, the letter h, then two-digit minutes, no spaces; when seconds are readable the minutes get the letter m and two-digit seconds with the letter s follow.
1h09
